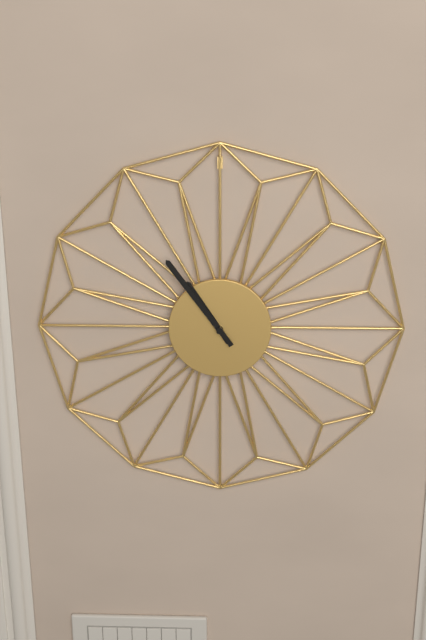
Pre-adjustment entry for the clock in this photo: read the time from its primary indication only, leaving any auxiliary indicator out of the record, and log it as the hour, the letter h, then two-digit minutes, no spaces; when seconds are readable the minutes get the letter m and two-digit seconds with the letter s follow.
10h54
